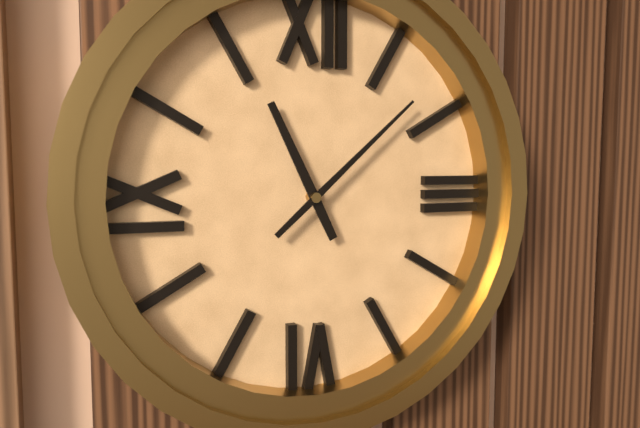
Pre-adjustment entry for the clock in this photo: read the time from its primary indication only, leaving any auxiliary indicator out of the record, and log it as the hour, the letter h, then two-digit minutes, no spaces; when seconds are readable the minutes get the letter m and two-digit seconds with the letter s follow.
11h08
